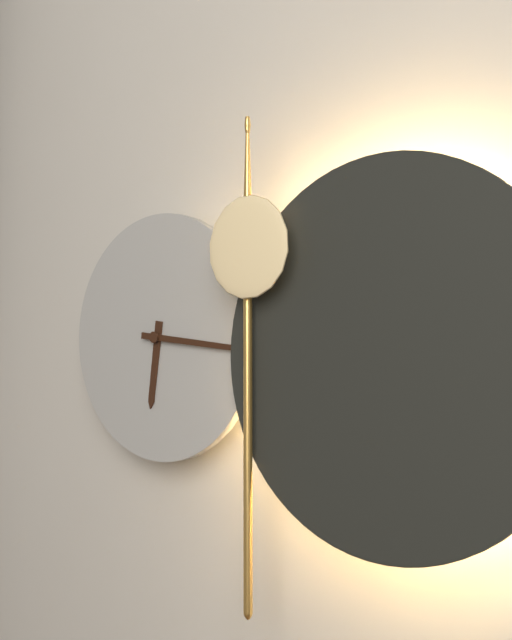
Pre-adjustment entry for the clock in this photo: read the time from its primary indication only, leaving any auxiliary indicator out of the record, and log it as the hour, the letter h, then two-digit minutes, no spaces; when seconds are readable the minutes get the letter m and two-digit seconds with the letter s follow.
6h16
